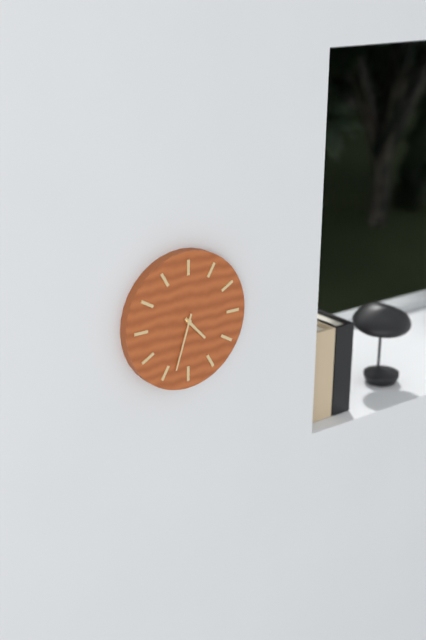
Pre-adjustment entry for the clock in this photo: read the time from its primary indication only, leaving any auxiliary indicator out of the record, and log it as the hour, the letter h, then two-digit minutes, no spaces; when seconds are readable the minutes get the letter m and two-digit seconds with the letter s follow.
4h33
